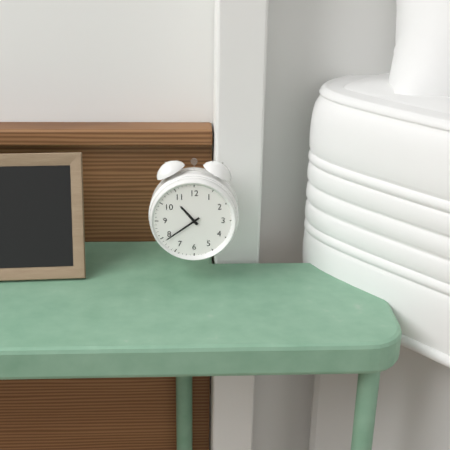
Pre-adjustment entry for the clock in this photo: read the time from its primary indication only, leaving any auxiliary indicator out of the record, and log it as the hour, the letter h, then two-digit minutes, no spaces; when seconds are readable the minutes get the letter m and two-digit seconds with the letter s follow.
10h39
